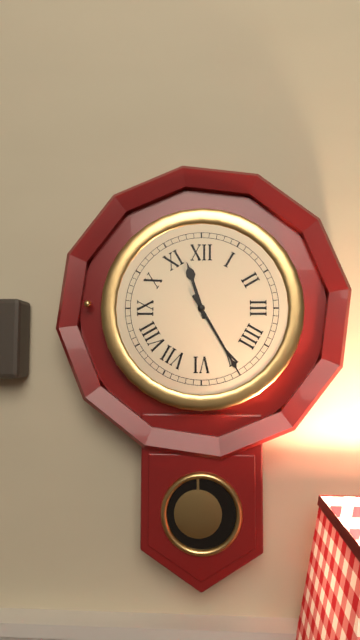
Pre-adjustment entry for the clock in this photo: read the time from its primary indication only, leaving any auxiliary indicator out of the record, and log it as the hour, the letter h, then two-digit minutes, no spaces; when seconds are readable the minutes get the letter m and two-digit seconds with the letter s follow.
11h25
